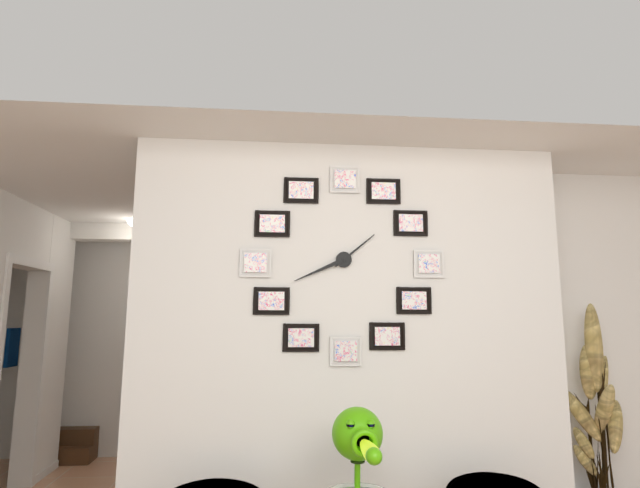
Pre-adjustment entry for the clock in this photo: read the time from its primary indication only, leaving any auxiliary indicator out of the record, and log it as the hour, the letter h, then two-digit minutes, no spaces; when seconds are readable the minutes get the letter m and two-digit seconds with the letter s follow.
1h41
